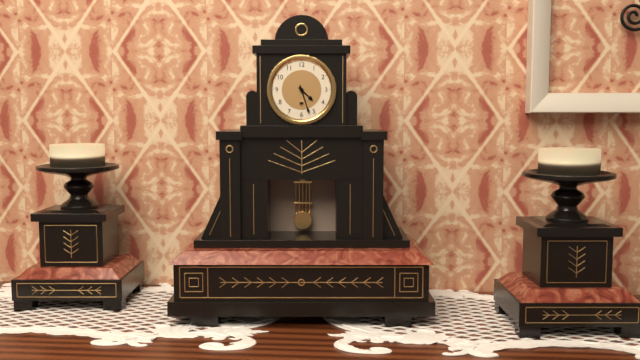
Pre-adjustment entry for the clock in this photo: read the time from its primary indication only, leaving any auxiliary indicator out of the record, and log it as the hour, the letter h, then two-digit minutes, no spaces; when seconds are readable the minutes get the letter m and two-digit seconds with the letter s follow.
4h27
